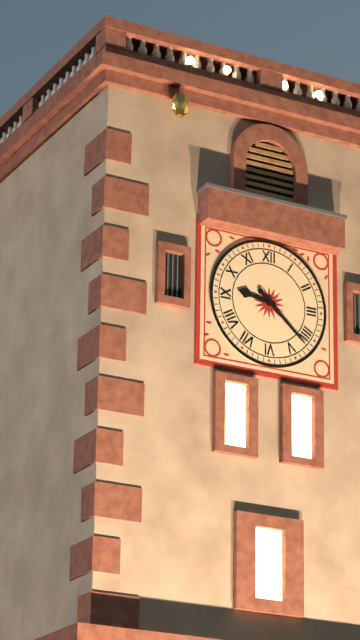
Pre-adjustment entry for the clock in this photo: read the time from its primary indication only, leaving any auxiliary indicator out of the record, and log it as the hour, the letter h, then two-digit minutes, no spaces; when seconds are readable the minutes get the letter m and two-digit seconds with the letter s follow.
9h22
